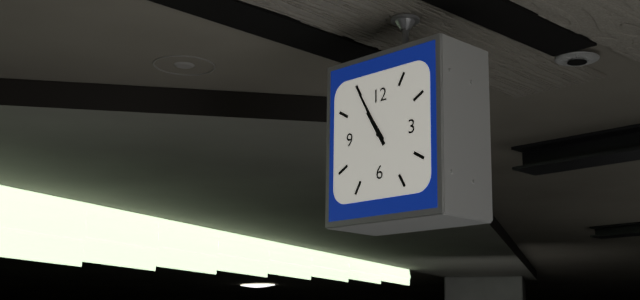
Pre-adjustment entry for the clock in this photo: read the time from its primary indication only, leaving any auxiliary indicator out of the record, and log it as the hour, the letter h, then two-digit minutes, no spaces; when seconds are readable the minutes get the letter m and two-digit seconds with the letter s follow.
10h55
